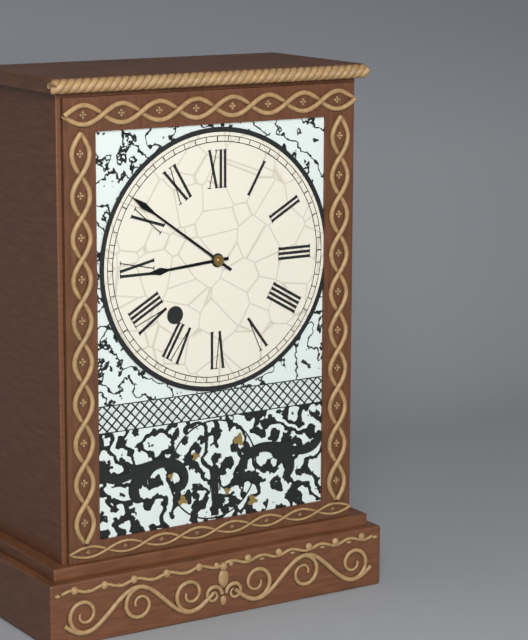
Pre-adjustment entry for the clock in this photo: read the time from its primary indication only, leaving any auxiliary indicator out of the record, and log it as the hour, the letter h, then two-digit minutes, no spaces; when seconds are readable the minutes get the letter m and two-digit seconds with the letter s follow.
8h51
